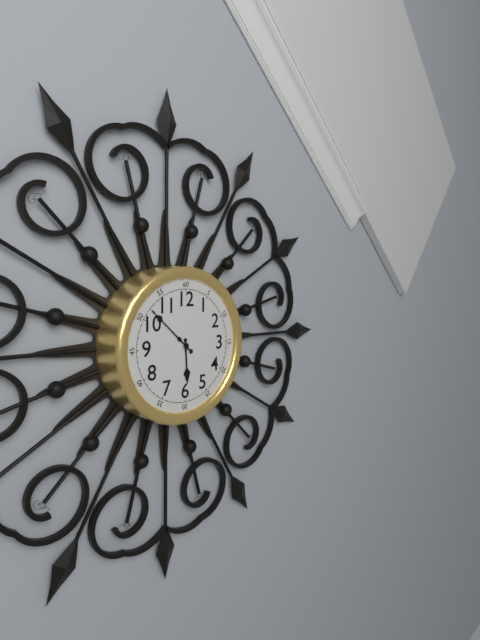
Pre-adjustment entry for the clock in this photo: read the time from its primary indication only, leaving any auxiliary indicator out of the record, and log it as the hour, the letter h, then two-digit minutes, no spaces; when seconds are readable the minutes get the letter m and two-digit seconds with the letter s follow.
5h52
